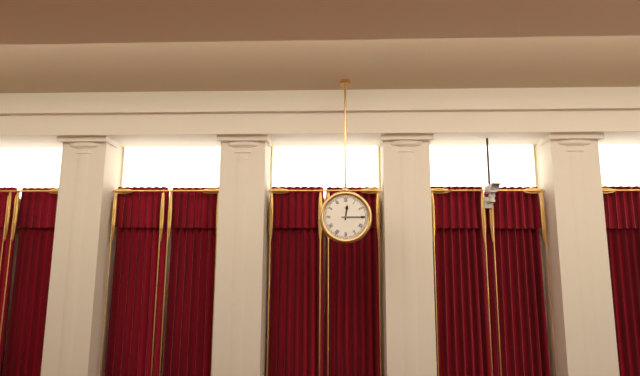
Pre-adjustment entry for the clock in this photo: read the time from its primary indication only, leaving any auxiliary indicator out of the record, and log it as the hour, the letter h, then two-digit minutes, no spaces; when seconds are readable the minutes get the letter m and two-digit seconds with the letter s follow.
12h15
